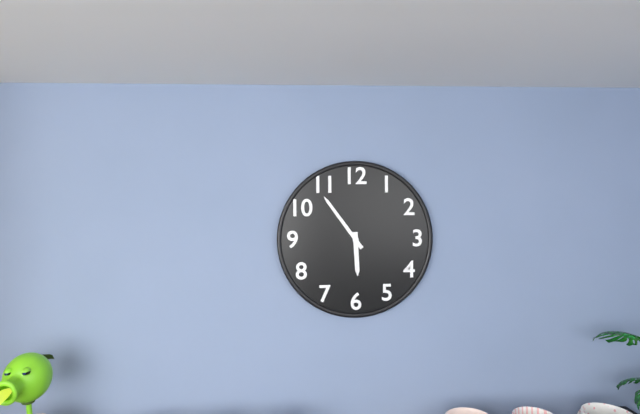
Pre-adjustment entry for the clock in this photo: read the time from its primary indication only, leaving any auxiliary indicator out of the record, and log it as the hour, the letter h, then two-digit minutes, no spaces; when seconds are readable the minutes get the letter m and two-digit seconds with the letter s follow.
5h54
